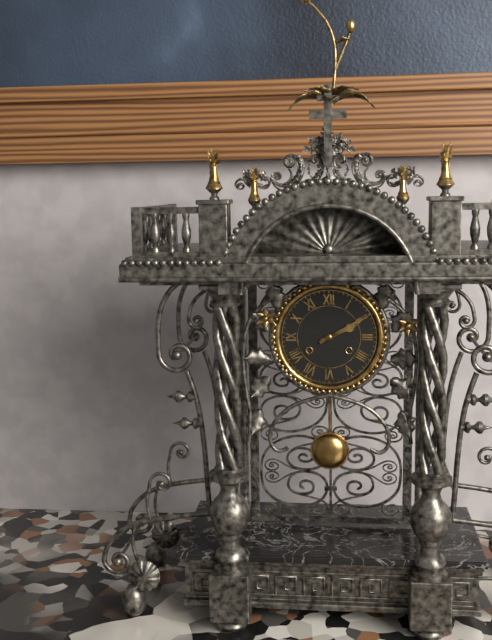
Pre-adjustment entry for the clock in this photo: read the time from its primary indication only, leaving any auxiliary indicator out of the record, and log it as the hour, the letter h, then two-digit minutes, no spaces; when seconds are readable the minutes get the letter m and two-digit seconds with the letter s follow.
2h10
